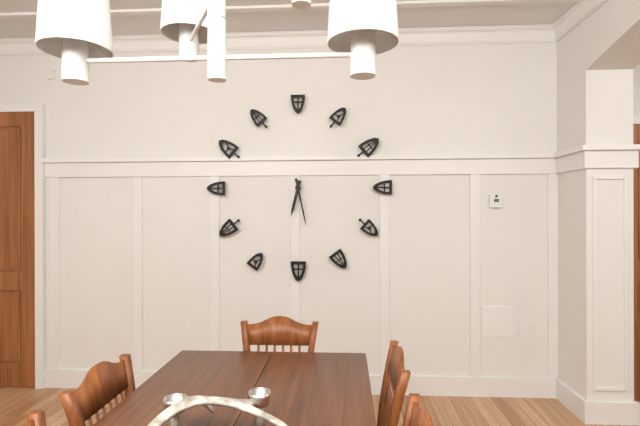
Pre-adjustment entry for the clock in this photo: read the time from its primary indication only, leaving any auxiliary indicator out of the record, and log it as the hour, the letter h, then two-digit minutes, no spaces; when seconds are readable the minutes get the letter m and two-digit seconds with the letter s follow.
6h28
